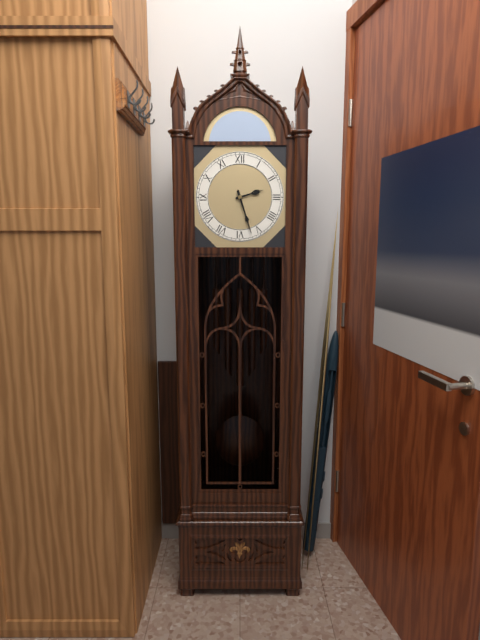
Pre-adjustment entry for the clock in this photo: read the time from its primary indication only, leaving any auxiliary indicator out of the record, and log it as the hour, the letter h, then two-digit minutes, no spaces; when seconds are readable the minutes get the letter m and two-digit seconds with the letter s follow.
2h27
